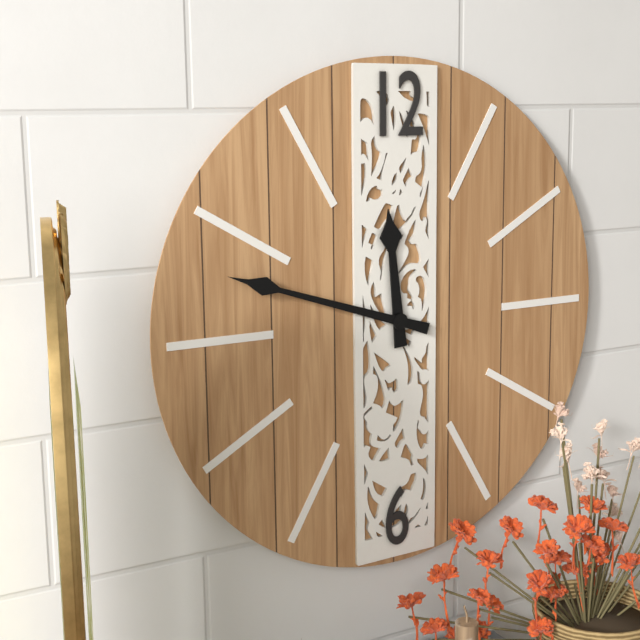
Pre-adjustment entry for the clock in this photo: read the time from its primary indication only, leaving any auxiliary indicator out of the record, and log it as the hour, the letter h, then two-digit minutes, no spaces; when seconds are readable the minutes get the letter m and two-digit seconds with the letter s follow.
11h48
